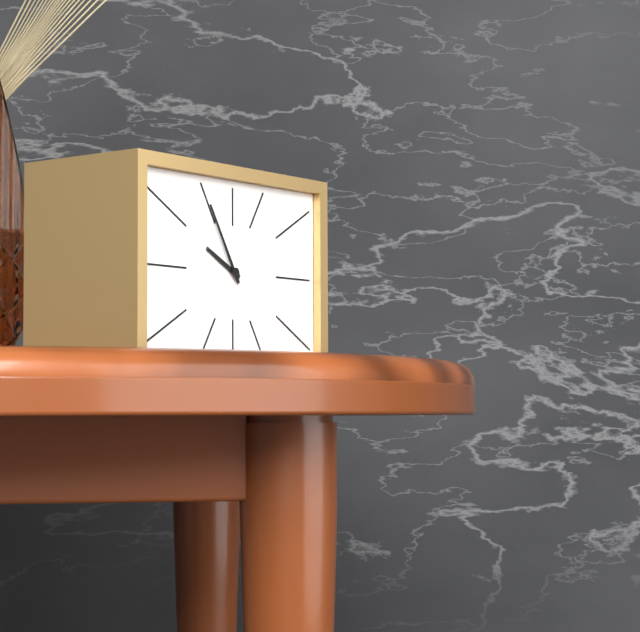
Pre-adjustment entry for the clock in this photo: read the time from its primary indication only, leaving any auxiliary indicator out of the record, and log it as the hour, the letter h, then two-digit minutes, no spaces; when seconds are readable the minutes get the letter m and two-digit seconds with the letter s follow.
9h55
